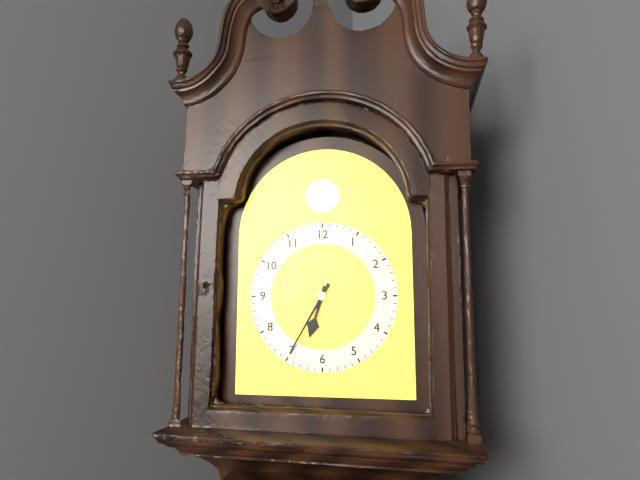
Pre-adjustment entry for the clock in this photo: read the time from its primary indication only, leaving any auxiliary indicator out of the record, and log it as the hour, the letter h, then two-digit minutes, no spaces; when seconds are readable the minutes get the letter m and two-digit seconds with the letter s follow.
6h35
